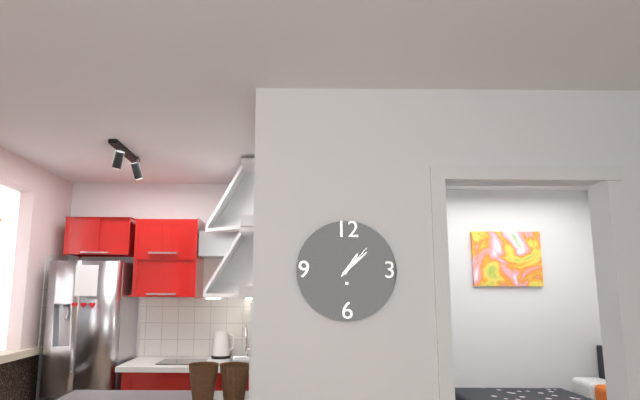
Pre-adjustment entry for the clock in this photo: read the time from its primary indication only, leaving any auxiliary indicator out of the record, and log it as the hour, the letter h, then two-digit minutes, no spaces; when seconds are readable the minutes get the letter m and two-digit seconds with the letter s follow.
1h08
